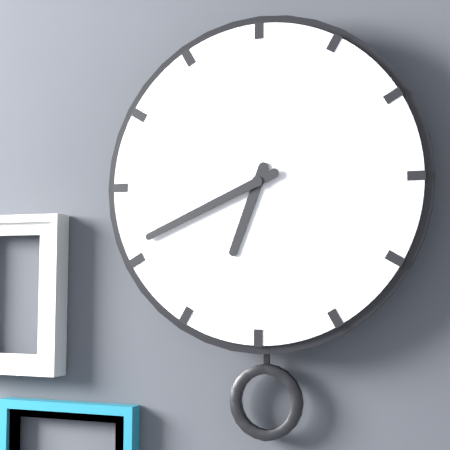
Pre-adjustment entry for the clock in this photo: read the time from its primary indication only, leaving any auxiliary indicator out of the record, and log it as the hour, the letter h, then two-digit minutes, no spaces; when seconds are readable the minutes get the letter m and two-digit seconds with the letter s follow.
6h41
